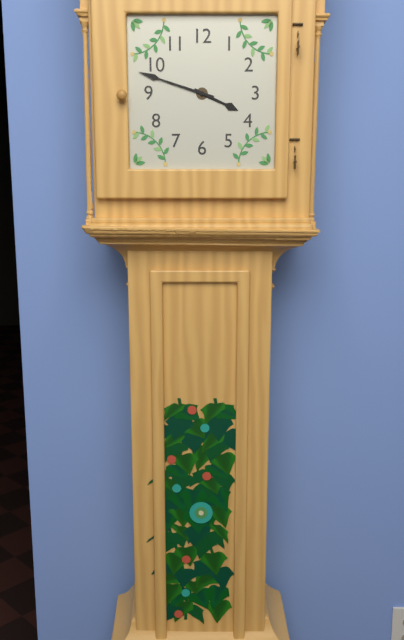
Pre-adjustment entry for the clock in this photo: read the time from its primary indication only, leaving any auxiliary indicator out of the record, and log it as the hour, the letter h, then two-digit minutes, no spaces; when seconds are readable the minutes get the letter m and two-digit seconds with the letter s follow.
3h48
